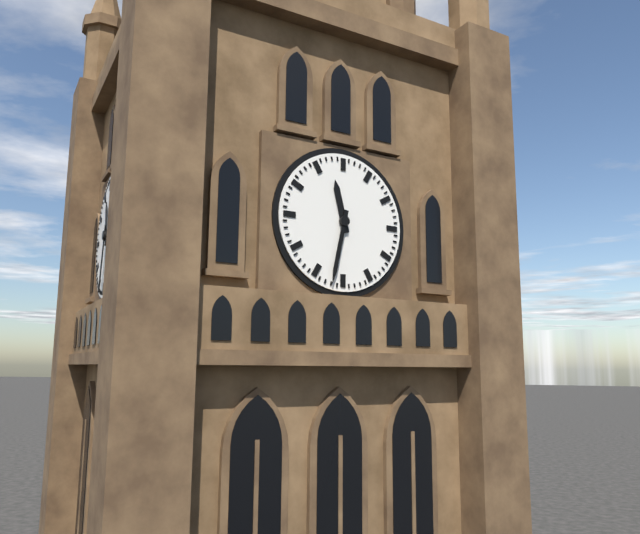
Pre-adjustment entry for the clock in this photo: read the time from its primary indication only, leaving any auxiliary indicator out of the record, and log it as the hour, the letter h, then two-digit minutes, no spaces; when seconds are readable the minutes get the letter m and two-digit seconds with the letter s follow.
11h32
